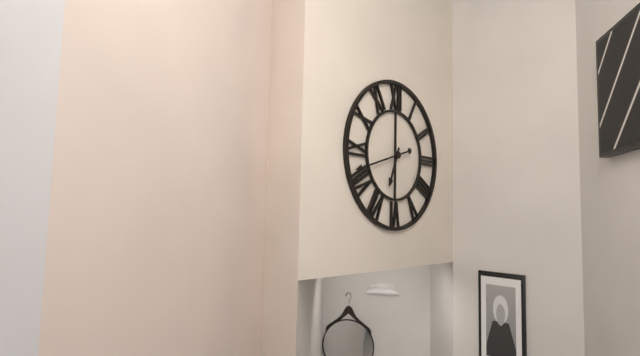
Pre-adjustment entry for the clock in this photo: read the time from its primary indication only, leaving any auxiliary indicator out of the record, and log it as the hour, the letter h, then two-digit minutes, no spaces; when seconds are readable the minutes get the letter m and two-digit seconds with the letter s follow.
6h42
